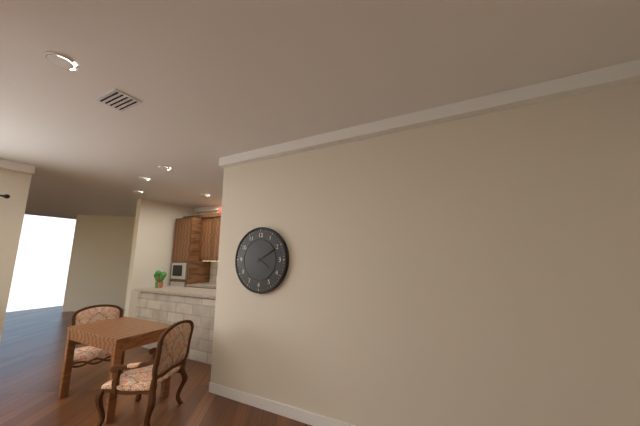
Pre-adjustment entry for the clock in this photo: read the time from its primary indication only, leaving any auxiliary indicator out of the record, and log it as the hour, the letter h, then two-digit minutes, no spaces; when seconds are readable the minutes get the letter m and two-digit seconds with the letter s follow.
4h10
